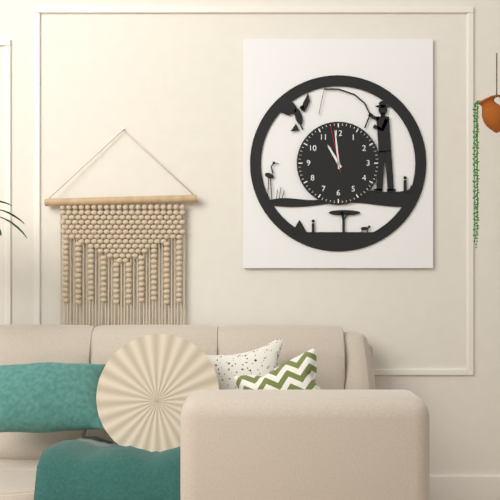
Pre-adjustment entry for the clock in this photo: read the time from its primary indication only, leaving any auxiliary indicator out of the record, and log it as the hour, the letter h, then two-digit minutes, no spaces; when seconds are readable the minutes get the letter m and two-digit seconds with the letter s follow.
10h59
